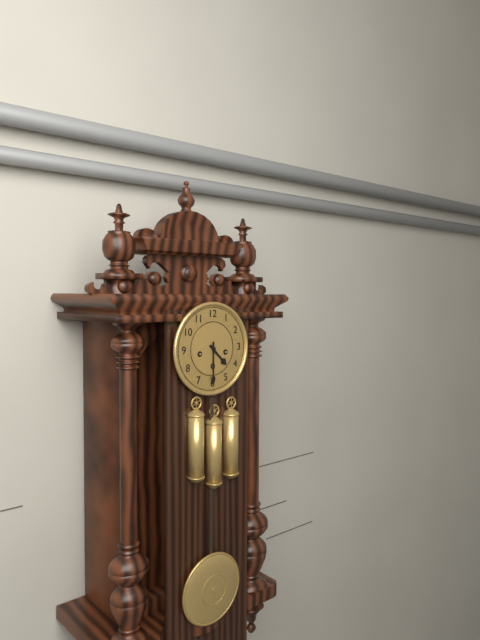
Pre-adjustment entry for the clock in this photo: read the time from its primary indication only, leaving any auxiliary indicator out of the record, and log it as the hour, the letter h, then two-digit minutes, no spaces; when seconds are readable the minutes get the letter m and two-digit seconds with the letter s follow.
4h30
